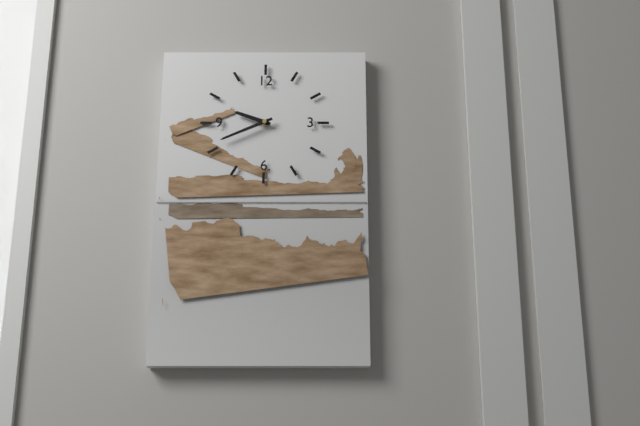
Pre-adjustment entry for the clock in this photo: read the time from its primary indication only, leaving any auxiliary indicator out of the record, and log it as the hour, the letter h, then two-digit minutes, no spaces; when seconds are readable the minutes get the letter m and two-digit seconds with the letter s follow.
9h41
